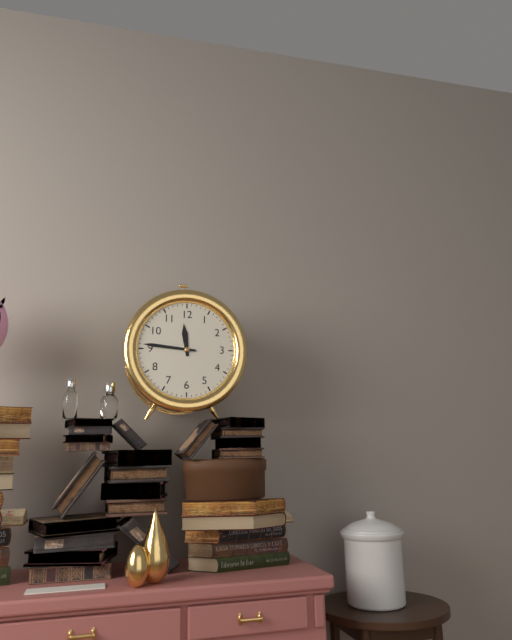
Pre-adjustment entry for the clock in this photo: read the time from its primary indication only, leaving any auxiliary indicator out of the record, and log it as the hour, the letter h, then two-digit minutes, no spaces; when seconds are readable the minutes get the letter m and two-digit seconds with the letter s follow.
11h46
